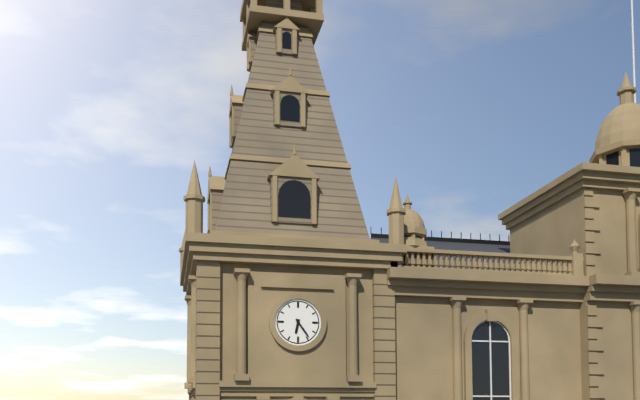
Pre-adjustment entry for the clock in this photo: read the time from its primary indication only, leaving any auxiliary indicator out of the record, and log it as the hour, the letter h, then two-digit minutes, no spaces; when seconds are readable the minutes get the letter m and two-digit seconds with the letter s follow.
6h24
